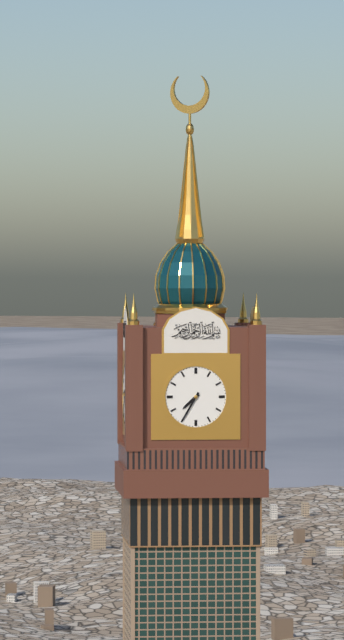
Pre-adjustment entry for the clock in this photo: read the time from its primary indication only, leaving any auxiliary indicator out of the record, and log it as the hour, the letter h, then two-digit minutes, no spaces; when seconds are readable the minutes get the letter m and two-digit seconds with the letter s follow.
7h35
